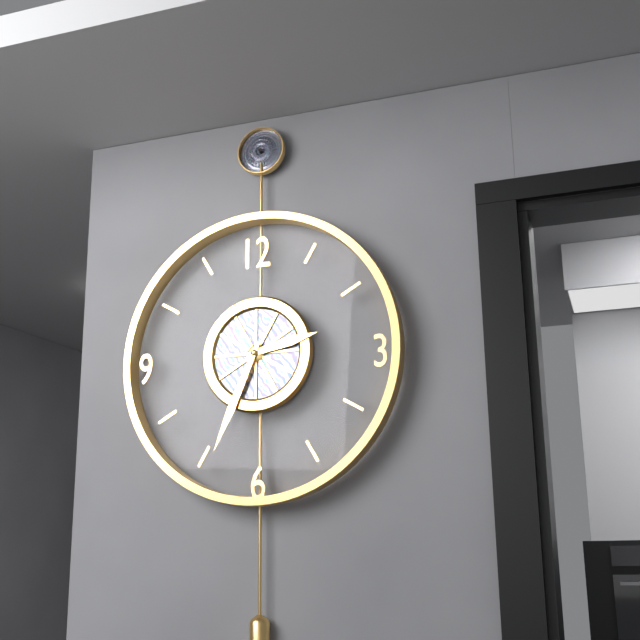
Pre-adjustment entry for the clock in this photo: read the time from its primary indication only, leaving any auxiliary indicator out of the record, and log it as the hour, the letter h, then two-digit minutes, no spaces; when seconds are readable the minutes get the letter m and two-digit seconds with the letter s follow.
2h34
